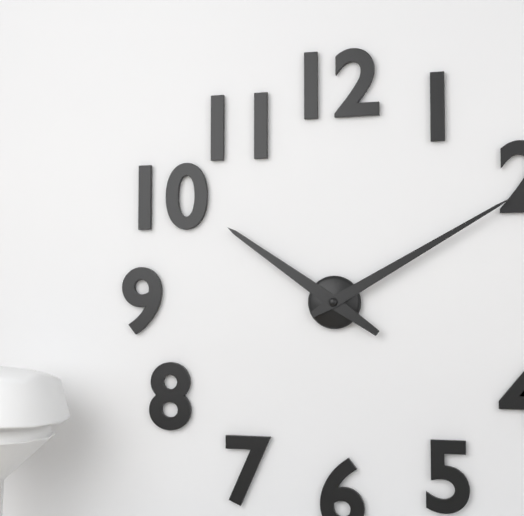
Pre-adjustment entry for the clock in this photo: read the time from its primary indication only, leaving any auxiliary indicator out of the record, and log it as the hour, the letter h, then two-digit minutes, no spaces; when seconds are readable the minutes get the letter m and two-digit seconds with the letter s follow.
10h10
